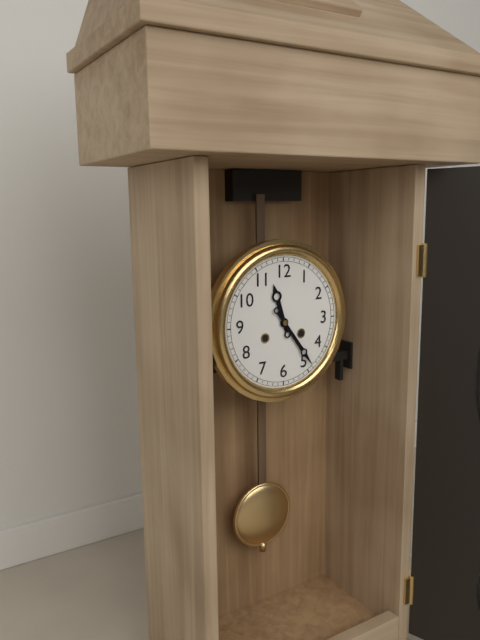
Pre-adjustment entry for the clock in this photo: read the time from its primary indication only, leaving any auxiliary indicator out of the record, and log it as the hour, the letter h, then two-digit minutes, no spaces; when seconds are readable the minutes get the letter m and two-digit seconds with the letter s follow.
11h24
